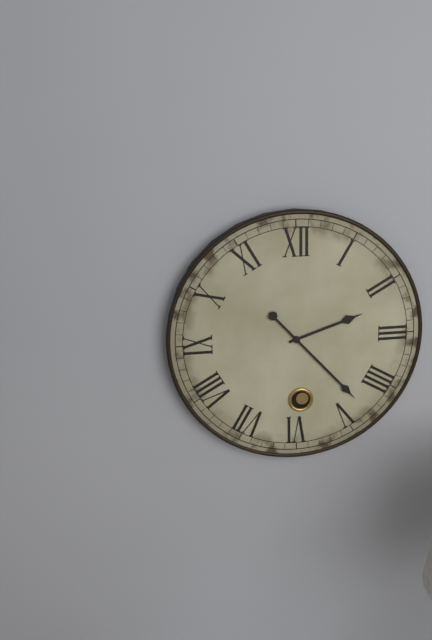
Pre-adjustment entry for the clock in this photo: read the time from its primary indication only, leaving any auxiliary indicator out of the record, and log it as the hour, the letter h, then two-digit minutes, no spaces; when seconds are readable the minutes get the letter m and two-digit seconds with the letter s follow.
2h23
